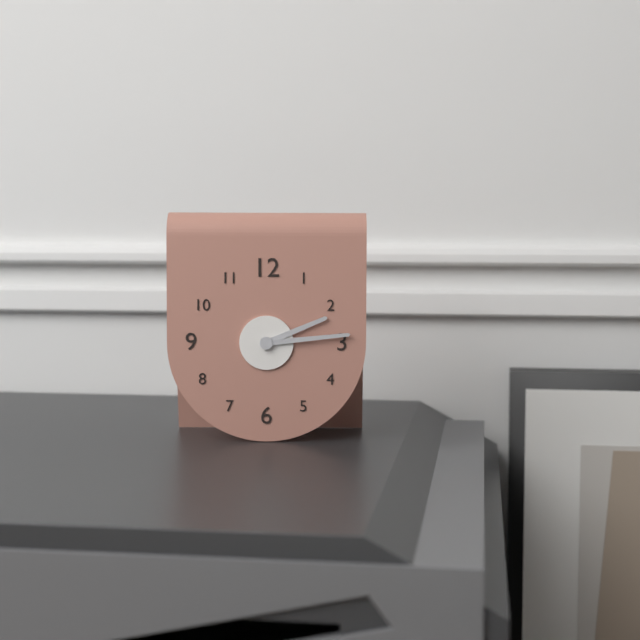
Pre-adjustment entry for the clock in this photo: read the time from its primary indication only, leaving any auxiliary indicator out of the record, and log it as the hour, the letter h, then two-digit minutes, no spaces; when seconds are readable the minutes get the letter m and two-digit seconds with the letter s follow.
2h14
